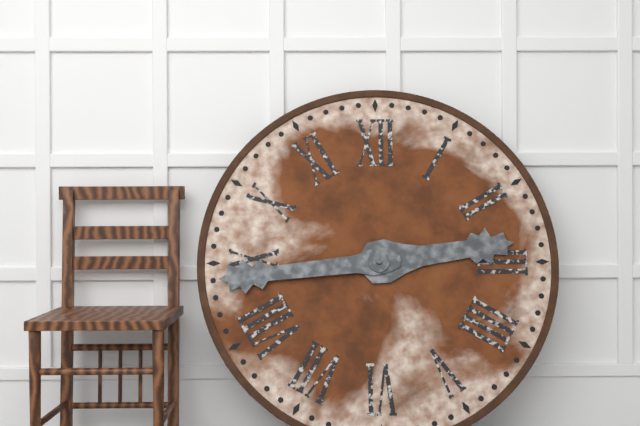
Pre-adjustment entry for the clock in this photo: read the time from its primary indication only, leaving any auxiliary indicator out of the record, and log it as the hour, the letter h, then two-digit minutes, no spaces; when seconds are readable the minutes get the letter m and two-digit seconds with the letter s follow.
2h44
